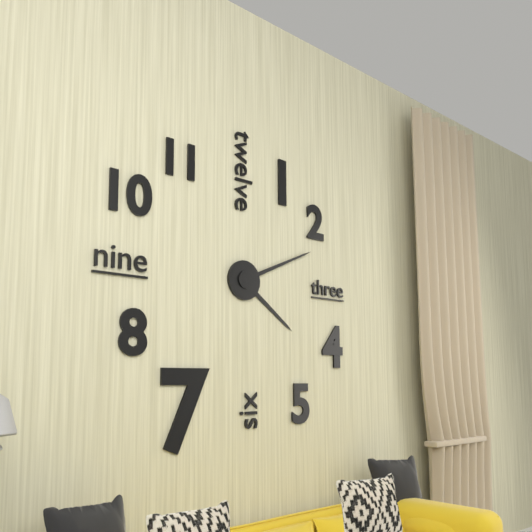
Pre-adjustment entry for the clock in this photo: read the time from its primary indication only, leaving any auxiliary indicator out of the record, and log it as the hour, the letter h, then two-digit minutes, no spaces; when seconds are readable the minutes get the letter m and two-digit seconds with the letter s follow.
4h11
